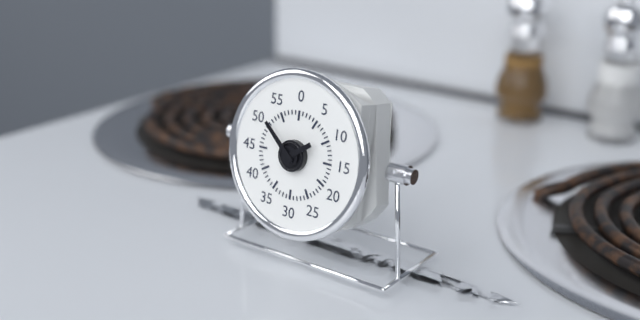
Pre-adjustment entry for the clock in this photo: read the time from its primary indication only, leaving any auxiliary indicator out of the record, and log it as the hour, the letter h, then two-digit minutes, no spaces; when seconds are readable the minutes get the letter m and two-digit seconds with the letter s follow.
1h52
